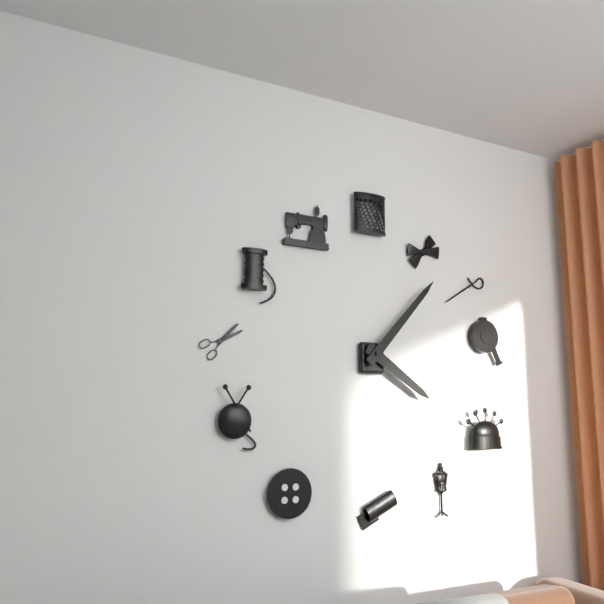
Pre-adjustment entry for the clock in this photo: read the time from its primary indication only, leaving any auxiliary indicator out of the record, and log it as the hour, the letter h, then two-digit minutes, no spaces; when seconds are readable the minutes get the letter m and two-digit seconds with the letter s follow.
4h07
